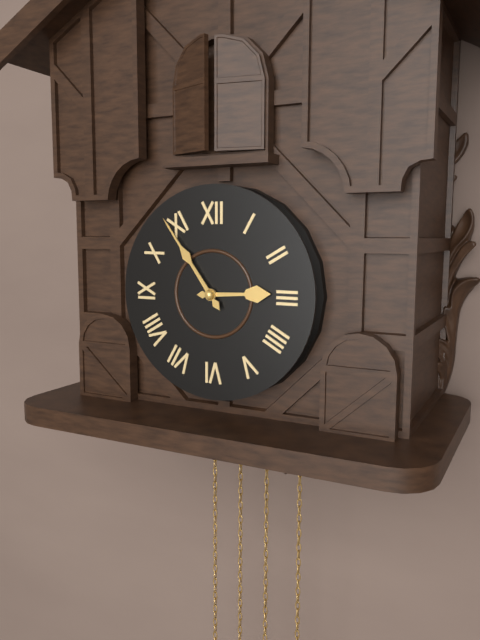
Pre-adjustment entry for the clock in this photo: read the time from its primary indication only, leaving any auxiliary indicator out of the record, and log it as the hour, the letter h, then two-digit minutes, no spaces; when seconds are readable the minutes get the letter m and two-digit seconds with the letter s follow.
2h54
